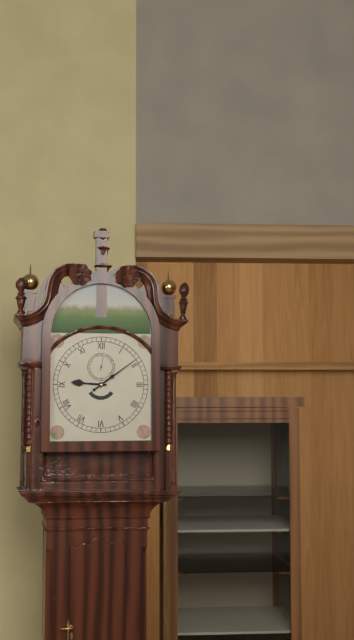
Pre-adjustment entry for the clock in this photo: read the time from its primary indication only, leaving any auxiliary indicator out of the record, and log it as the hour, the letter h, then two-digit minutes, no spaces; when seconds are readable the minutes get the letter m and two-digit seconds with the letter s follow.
9h09
